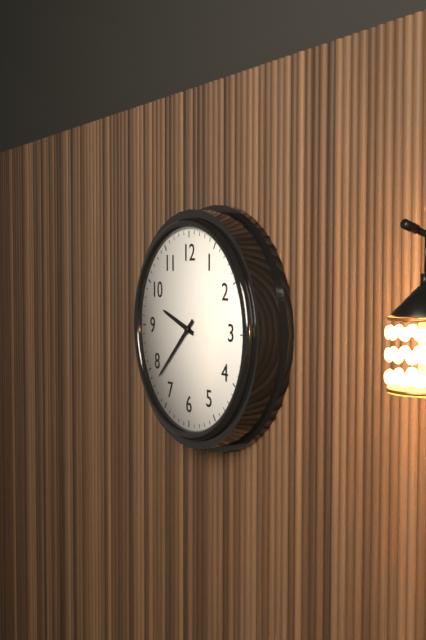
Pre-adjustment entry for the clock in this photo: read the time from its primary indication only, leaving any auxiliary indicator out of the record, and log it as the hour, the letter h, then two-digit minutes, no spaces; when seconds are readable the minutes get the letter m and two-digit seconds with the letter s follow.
9h38
